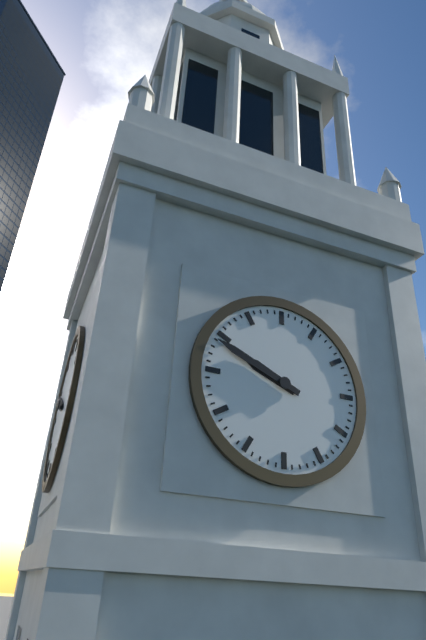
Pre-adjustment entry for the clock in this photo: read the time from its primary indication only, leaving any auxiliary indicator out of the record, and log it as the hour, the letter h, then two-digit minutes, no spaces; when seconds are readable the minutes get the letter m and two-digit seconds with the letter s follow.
9h49
